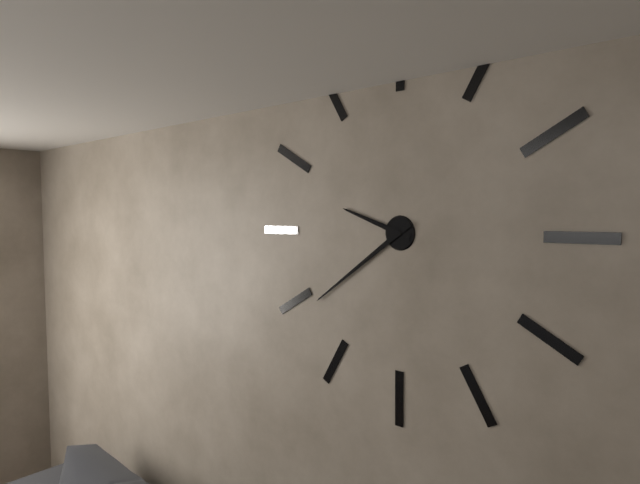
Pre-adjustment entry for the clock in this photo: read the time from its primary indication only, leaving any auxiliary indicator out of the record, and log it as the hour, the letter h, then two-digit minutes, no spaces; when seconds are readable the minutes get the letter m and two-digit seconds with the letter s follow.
9h39
